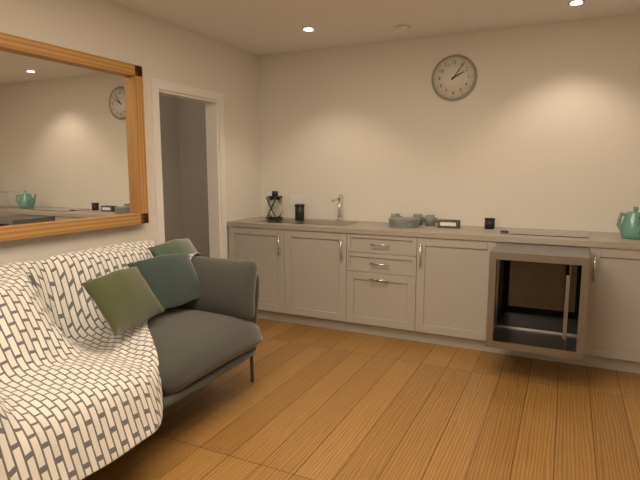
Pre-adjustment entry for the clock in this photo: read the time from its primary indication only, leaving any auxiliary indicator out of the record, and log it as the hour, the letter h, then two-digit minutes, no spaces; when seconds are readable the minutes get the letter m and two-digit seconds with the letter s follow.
2h06
